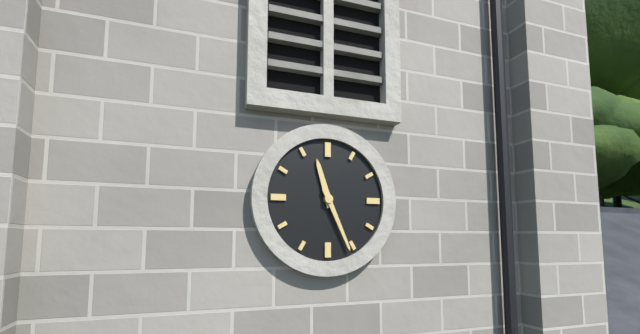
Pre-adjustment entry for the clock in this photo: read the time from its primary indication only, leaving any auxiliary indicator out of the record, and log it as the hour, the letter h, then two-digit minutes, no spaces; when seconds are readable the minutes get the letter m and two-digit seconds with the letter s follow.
11h26
